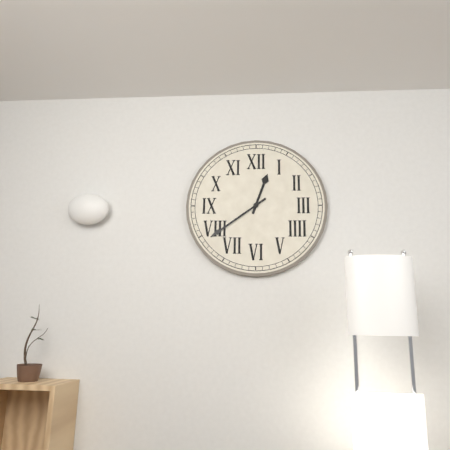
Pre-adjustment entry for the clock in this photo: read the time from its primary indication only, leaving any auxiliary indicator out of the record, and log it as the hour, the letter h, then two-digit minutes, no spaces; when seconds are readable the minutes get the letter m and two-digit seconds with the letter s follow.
12h39
